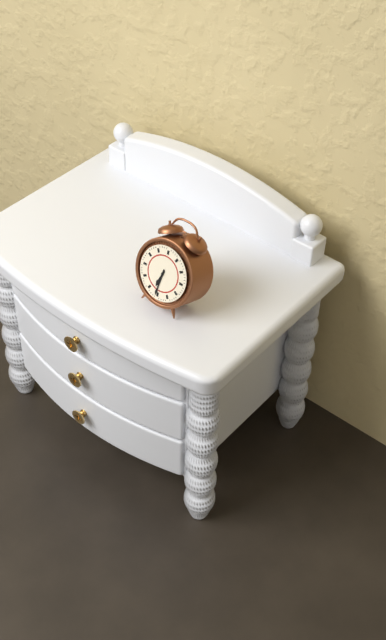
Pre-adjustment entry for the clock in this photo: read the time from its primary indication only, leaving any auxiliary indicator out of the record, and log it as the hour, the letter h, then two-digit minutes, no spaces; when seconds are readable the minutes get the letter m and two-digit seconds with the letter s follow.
6h31
